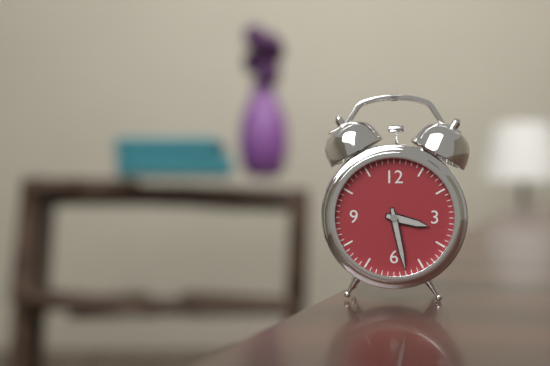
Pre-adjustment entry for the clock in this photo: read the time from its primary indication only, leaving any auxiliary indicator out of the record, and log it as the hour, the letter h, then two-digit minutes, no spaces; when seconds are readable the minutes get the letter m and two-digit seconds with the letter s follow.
3h28
